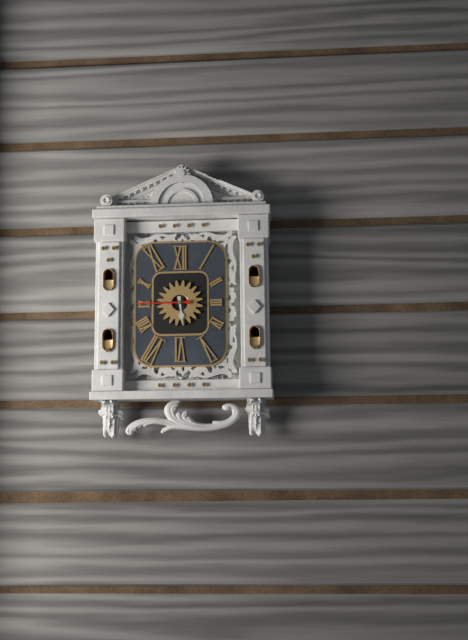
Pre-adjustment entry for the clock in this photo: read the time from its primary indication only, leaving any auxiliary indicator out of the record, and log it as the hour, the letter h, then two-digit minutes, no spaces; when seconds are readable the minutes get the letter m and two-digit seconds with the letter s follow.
5h45
